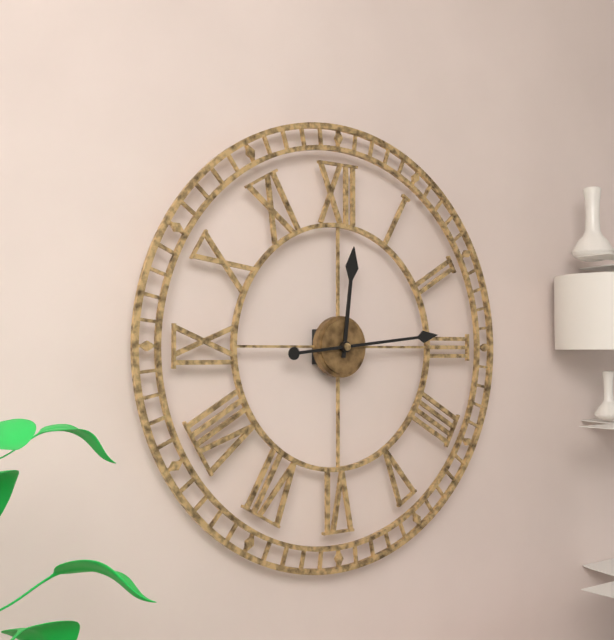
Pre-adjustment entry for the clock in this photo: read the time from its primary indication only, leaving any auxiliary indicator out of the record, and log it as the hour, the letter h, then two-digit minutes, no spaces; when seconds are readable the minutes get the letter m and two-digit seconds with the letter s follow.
12h14
